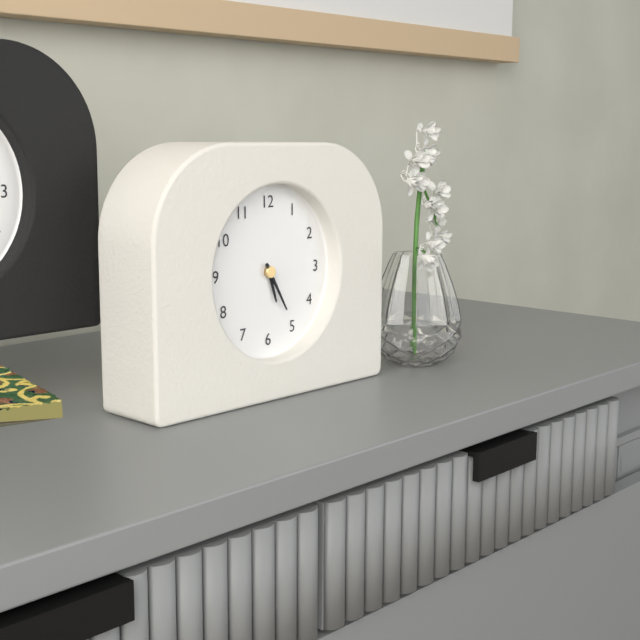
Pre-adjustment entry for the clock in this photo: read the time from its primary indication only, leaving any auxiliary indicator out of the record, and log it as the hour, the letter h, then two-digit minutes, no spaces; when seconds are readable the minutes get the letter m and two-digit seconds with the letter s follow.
5h25
